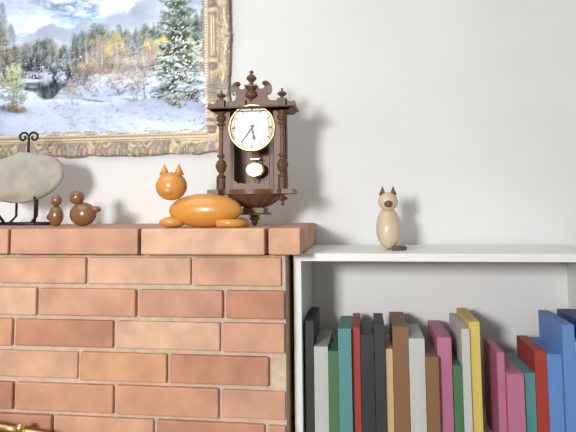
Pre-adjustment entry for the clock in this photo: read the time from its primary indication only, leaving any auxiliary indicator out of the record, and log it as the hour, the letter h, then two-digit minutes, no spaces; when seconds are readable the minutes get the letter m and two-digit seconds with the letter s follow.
5h36
